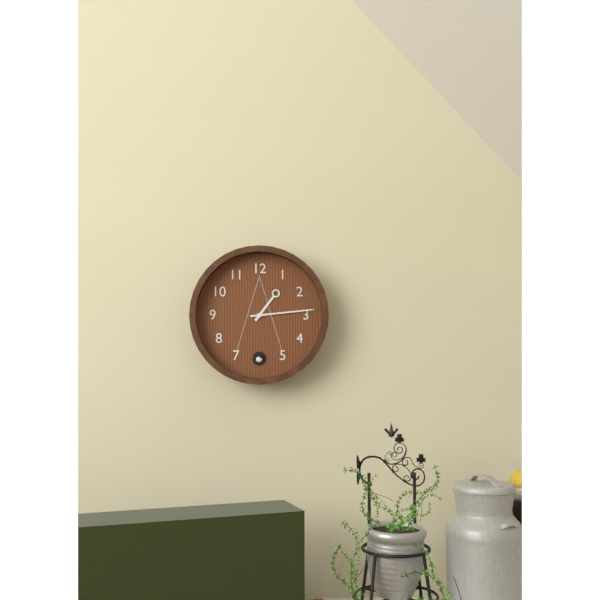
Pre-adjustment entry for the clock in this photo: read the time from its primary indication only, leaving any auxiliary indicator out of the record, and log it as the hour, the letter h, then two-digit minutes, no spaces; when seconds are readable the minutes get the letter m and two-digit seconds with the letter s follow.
1h14
